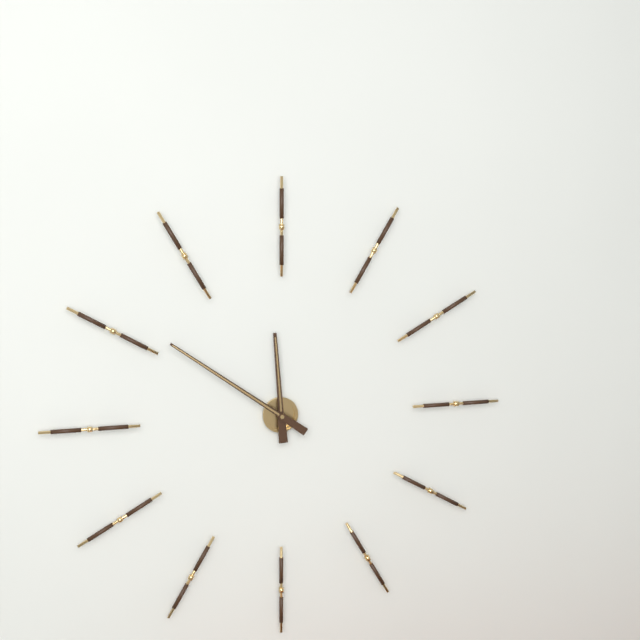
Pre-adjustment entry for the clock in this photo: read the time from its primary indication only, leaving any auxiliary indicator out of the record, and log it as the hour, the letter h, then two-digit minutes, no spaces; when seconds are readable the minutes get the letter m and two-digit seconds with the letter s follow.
11h51
